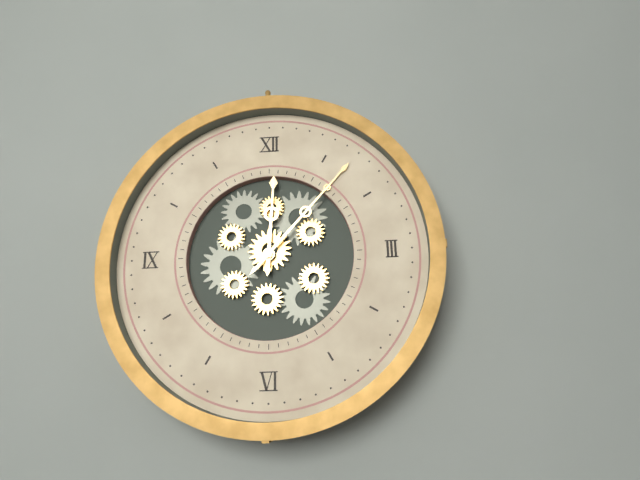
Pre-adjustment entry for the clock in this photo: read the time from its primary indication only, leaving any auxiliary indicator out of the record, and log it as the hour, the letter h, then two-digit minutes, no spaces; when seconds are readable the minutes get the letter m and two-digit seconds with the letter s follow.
12h07
